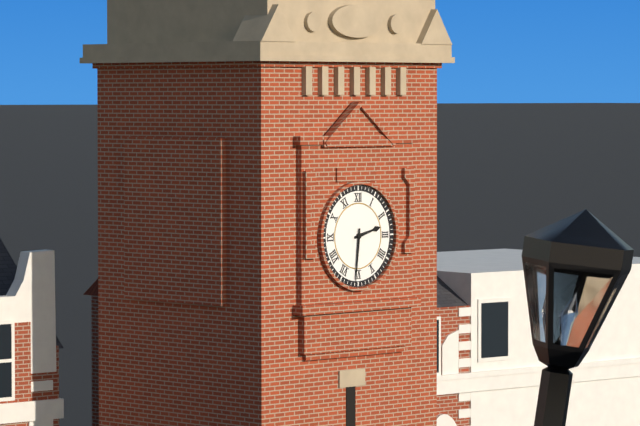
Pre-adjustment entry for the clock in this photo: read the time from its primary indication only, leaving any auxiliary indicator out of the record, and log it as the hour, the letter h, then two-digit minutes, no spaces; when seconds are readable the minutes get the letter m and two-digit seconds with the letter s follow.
2h31
